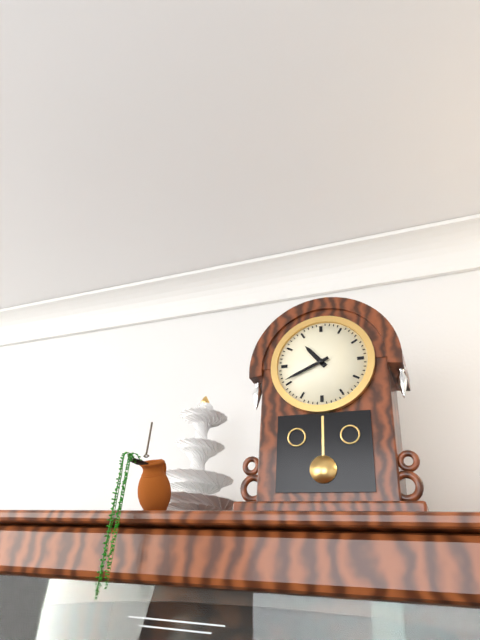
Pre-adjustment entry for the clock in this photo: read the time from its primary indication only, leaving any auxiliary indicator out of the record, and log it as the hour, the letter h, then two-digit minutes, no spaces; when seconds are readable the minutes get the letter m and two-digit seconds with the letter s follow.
10h41
